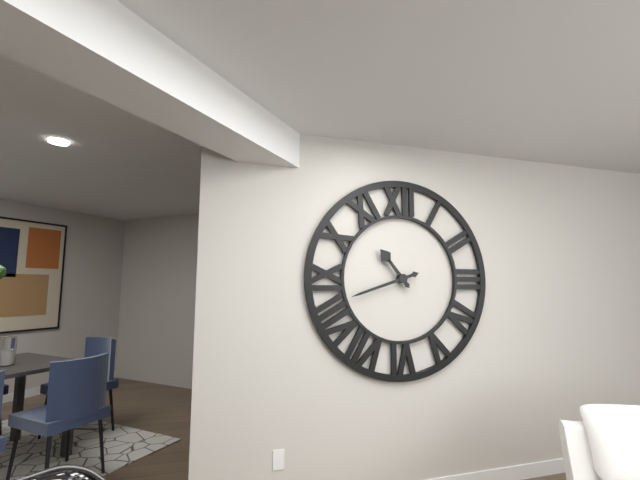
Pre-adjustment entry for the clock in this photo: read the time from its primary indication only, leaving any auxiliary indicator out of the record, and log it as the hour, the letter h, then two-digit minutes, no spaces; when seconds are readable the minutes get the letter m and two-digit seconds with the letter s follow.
10h42
